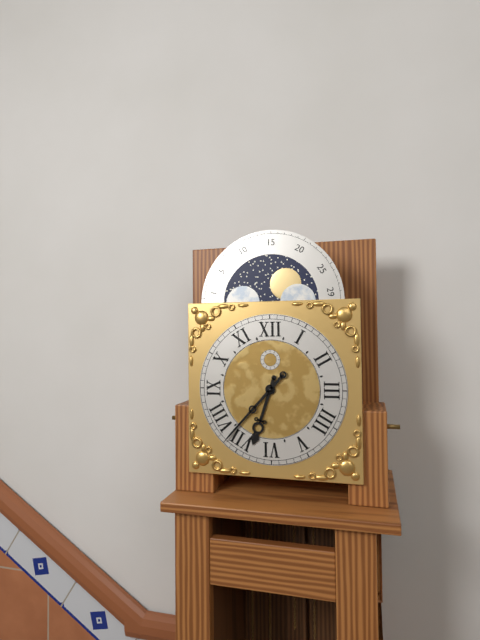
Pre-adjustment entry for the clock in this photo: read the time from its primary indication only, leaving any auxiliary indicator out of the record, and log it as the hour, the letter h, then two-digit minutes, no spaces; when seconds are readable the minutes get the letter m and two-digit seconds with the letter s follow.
6h37
